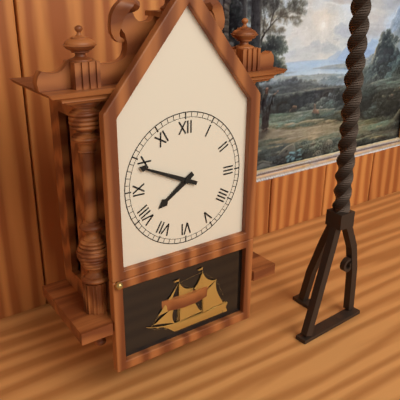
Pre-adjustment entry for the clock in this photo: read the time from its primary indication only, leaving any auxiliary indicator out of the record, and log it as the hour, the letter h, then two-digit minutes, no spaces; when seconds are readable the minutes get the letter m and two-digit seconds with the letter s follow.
7h49
